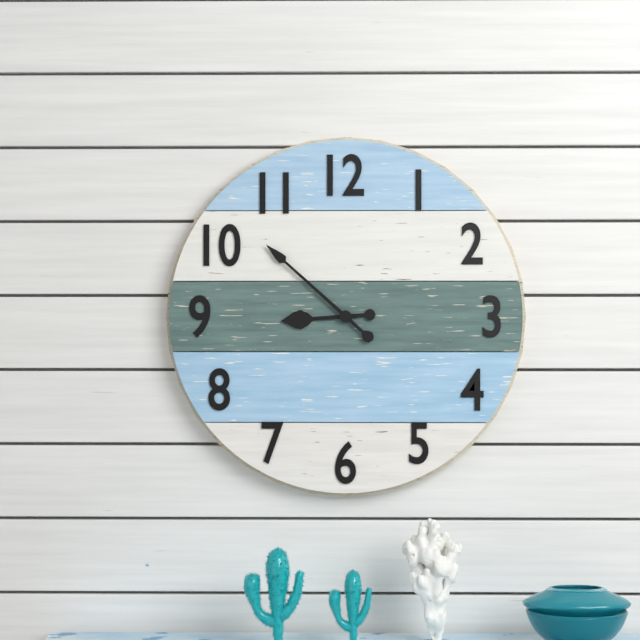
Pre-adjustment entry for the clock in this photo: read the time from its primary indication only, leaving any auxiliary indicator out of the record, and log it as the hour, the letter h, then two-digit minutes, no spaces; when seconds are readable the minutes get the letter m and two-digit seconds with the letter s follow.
8h52
